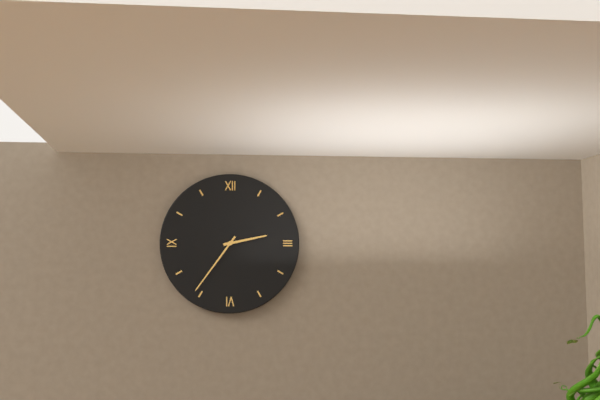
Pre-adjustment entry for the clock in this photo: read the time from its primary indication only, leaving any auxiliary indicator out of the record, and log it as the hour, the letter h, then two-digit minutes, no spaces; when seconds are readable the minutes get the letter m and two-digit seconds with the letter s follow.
2h36
